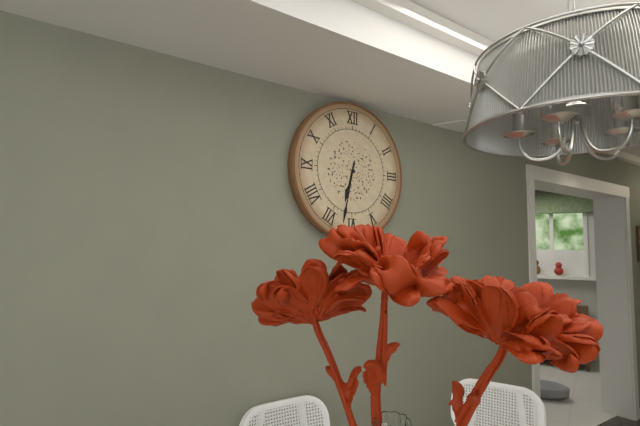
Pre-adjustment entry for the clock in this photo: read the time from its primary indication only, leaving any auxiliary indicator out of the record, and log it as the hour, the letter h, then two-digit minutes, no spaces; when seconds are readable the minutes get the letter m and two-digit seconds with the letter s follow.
6h32
